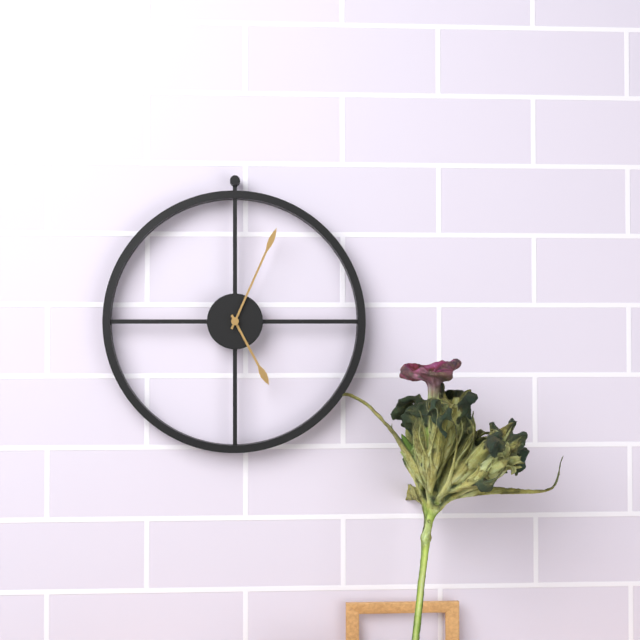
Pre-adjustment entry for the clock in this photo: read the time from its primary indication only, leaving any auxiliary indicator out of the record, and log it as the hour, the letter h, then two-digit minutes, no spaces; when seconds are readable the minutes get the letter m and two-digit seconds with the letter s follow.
5h04
